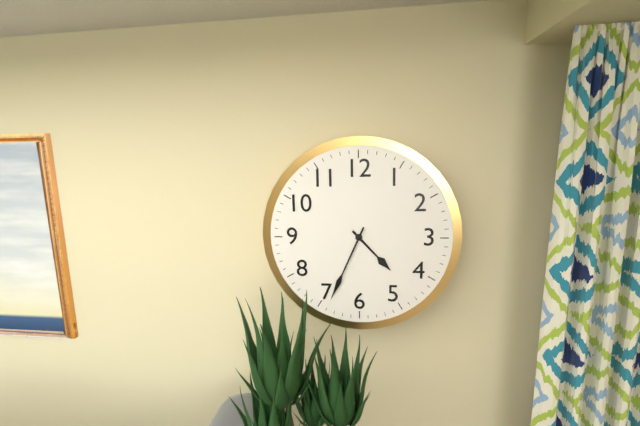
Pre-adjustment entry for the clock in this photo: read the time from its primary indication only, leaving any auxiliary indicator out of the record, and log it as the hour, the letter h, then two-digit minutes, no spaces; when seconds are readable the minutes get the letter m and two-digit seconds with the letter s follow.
4h34
